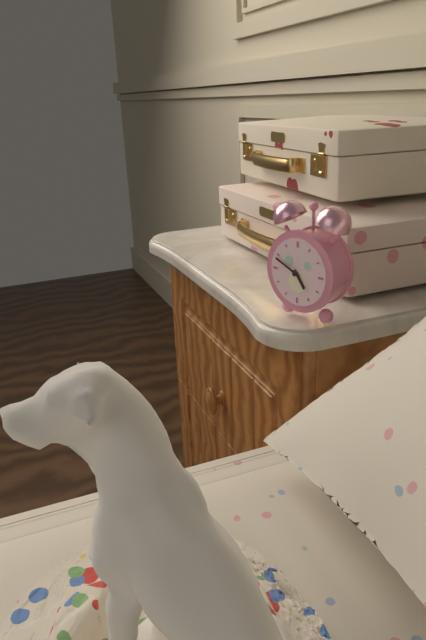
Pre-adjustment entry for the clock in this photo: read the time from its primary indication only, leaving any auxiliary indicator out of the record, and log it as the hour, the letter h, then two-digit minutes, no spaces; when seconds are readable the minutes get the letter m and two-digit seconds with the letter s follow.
4h49
